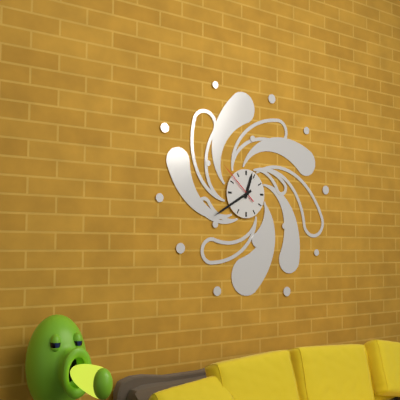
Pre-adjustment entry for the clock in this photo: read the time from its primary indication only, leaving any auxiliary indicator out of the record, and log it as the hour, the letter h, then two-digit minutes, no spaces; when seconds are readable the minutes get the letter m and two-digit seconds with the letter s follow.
12h40
